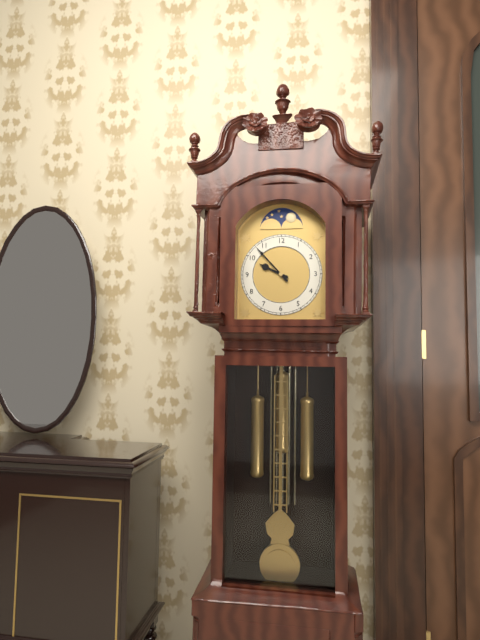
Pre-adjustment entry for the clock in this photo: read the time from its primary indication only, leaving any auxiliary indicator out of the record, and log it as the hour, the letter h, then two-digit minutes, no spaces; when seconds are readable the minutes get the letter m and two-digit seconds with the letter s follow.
9h53
